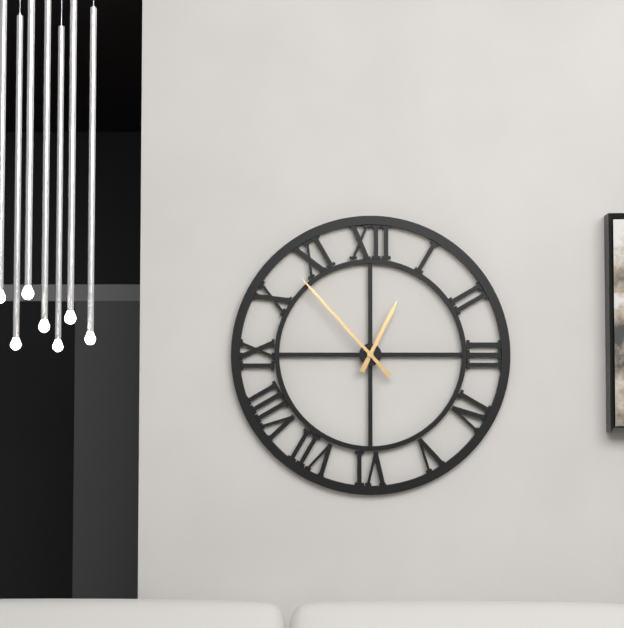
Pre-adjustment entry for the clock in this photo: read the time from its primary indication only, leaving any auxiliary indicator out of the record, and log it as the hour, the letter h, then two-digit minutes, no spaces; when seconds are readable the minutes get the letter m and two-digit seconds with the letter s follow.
12h53
